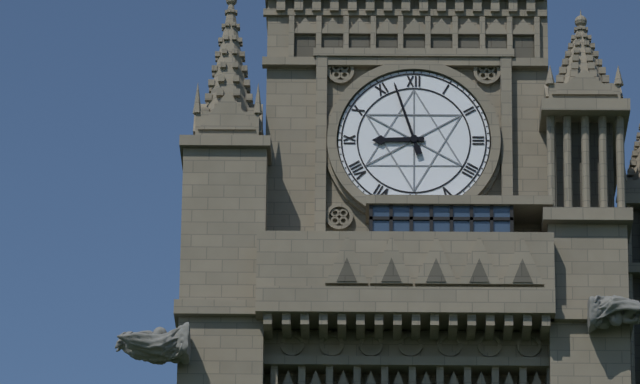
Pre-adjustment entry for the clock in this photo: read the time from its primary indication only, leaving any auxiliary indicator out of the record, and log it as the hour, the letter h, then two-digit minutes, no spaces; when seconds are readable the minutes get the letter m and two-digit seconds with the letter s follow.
8h57
